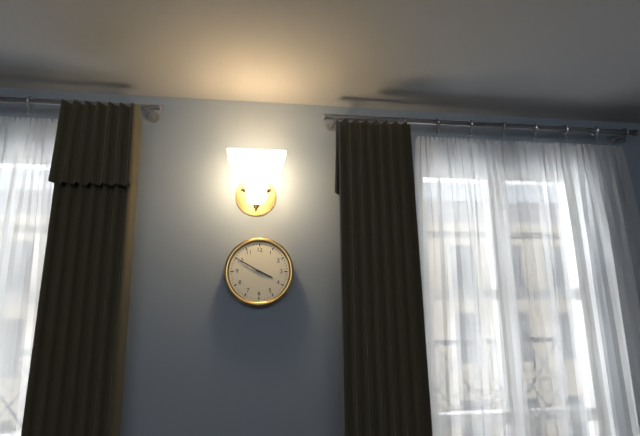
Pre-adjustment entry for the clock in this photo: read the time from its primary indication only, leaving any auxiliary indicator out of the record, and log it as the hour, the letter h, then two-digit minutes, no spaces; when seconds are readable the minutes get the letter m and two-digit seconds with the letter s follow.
3h50
